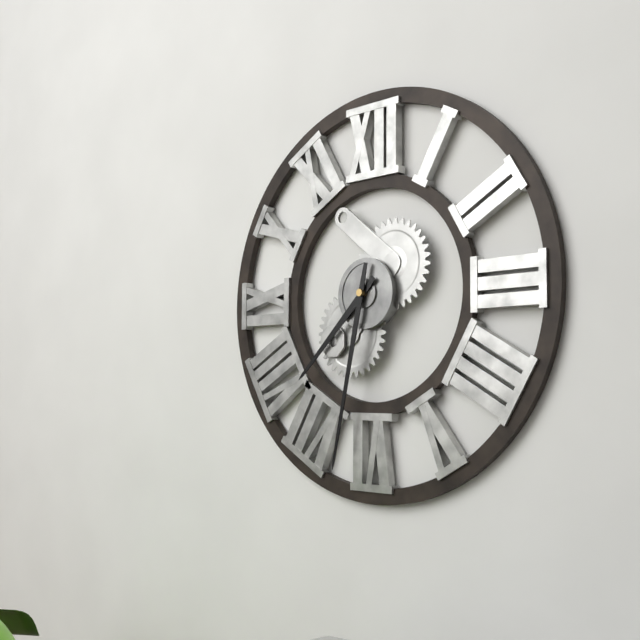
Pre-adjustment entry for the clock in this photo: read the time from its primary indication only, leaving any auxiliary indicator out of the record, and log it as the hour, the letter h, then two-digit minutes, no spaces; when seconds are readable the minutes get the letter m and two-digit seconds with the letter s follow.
7h32
